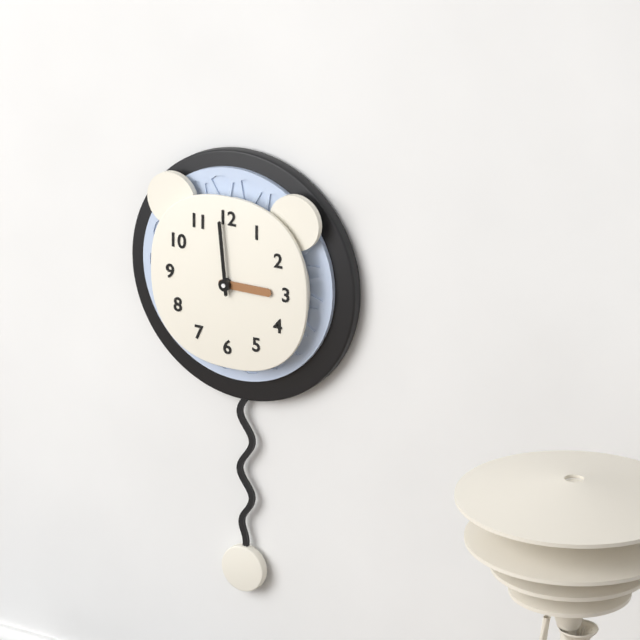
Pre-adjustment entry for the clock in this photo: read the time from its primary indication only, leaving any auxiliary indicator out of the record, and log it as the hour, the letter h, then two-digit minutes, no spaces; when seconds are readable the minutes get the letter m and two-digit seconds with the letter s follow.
2h59
